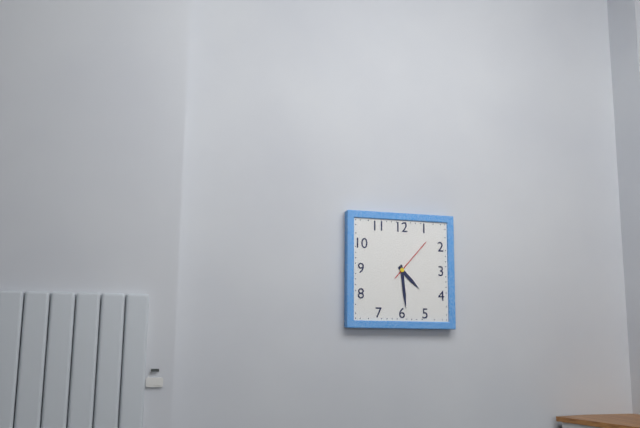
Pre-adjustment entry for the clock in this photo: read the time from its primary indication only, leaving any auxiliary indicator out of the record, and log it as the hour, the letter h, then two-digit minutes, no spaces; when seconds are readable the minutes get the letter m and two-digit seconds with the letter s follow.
4h29
